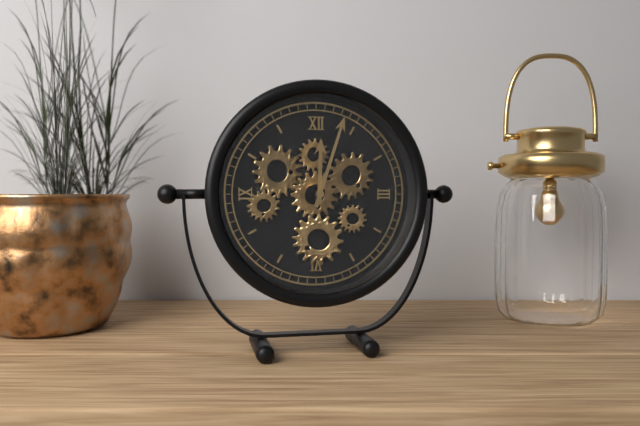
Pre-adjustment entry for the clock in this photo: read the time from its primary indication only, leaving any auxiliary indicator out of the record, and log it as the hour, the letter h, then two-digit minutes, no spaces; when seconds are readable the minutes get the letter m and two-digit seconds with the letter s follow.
12h03
